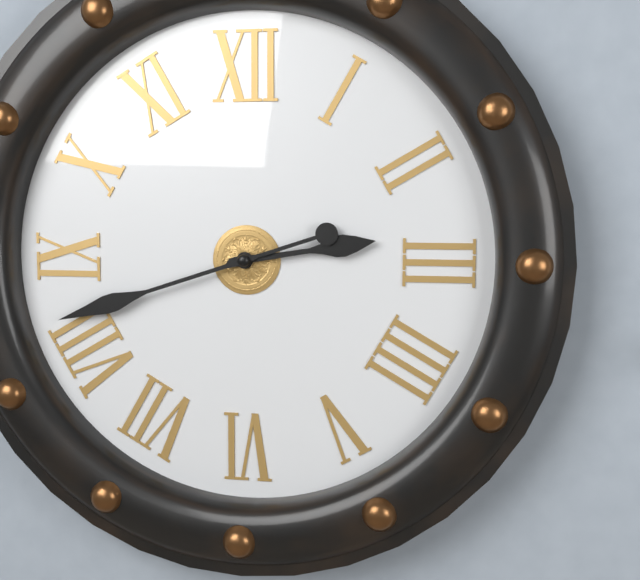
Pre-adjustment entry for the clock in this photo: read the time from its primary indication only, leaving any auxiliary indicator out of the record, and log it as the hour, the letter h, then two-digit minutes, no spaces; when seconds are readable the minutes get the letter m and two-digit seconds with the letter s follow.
2h42
